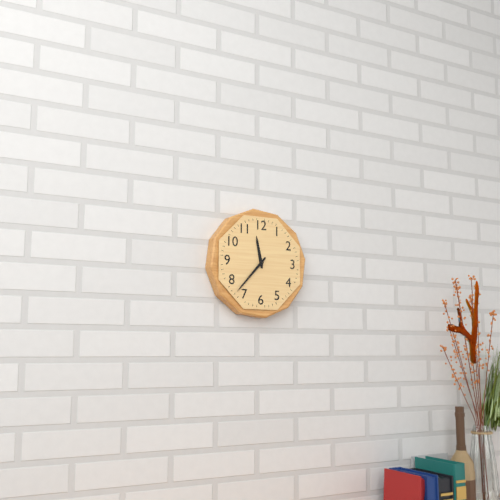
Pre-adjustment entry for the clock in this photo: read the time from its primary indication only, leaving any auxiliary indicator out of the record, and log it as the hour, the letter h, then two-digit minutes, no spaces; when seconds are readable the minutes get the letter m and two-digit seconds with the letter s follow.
11h37
